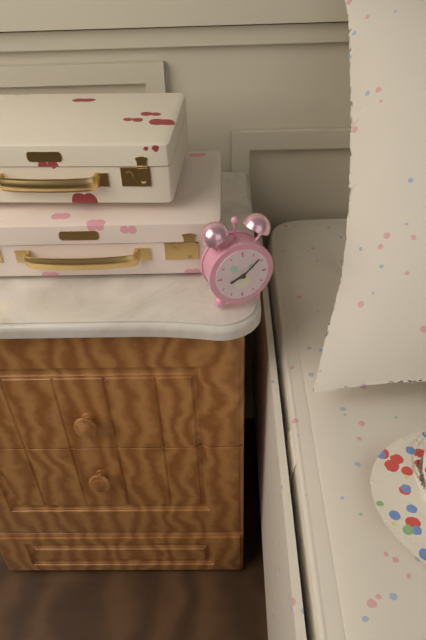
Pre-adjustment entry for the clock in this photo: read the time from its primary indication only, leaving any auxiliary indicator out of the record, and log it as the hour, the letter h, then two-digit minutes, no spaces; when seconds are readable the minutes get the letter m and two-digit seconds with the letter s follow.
8h08
